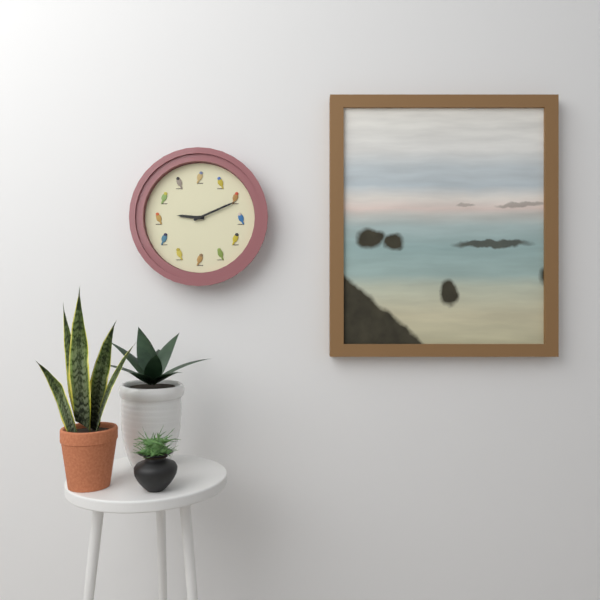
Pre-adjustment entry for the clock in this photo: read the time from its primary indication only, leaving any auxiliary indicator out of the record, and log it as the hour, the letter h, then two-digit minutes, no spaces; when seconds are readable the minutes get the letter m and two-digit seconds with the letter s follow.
9h11
